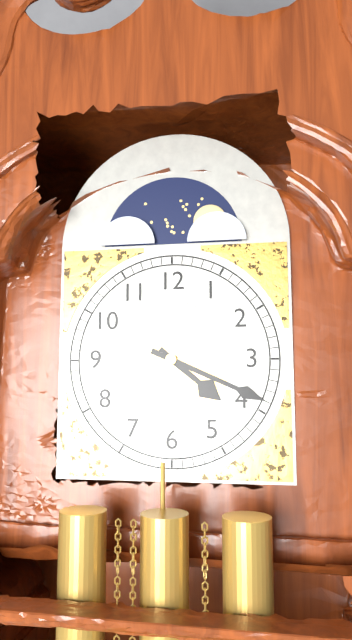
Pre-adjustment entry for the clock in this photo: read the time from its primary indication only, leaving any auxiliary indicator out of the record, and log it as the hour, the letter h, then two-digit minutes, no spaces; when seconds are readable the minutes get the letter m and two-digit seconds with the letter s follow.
4h19
